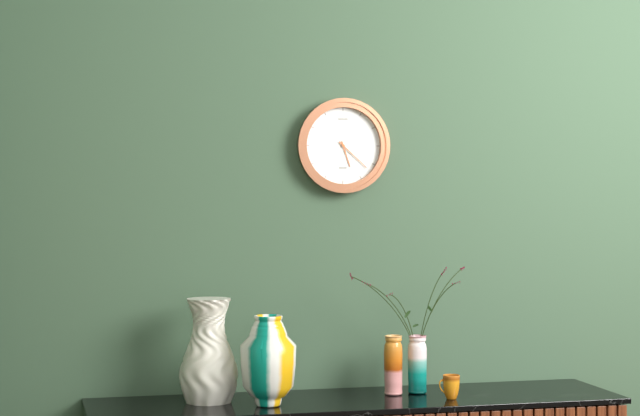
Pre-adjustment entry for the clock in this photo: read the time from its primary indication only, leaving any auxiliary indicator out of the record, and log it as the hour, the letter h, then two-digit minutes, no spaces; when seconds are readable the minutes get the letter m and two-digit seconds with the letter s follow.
5h22
